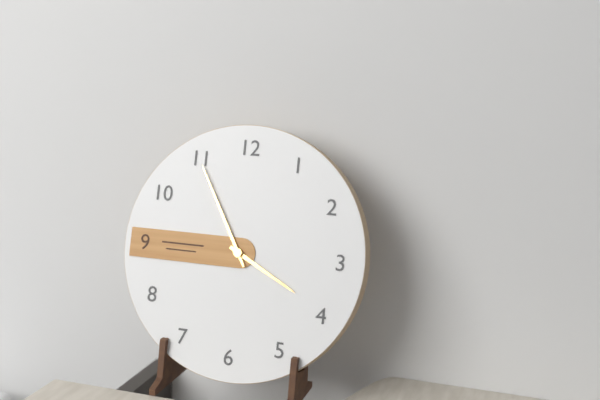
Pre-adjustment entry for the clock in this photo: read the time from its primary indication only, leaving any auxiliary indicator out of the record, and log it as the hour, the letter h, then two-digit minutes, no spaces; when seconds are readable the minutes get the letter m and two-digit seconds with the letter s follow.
3h55
